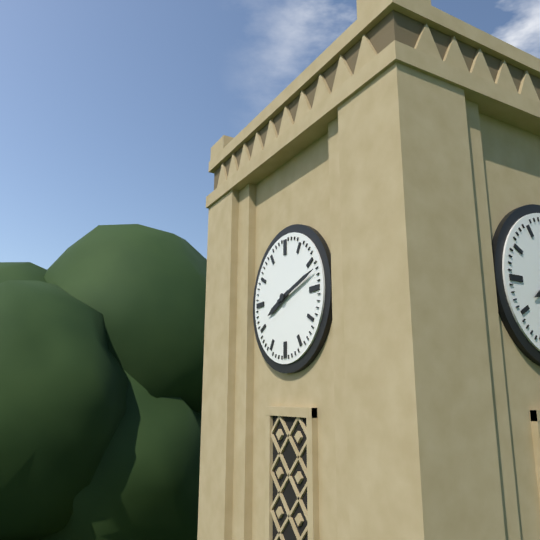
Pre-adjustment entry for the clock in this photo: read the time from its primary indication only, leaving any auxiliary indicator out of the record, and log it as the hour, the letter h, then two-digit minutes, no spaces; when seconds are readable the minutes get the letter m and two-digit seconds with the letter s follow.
8h12
